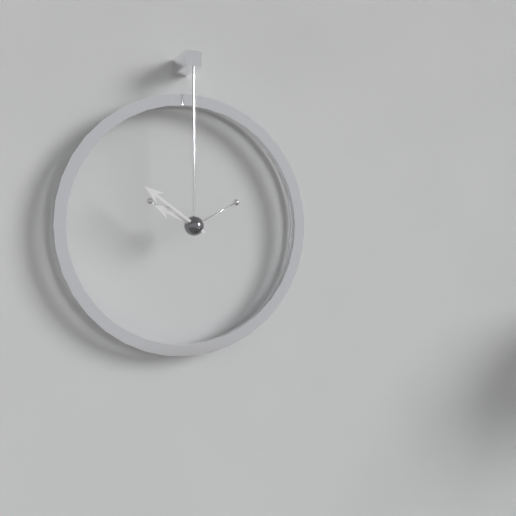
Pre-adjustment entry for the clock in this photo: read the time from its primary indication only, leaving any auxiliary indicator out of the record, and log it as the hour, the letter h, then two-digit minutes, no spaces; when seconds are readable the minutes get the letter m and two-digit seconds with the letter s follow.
9h51
